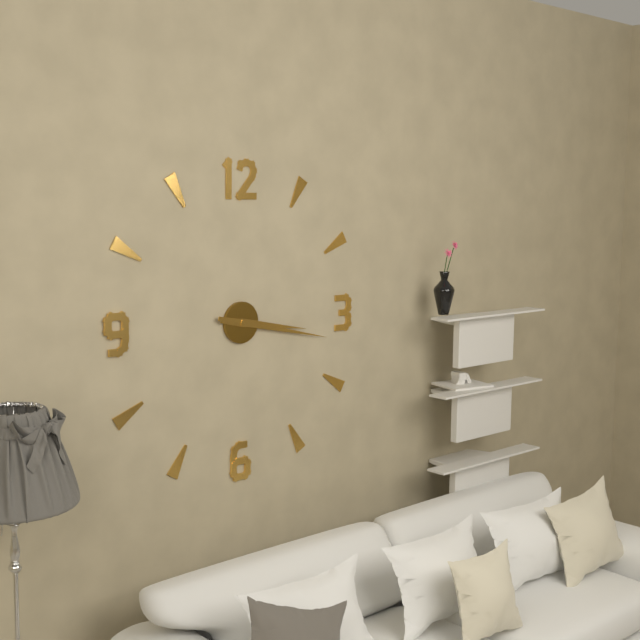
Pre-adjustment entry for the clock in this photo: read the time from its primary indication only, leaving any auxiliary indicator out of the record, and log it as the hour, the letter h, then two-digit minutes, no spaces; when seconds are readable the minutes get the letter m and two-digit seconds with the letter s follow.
3h17
